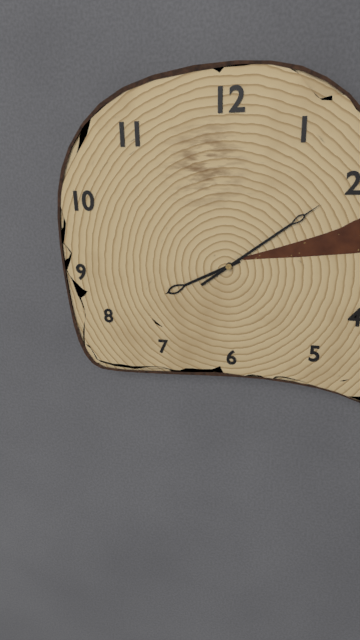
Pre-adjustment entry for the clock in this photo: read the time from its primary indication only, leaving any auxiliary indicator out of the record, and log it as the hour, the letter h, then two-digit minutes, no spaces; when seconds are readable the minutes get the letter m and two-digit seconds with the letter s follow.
8h09
